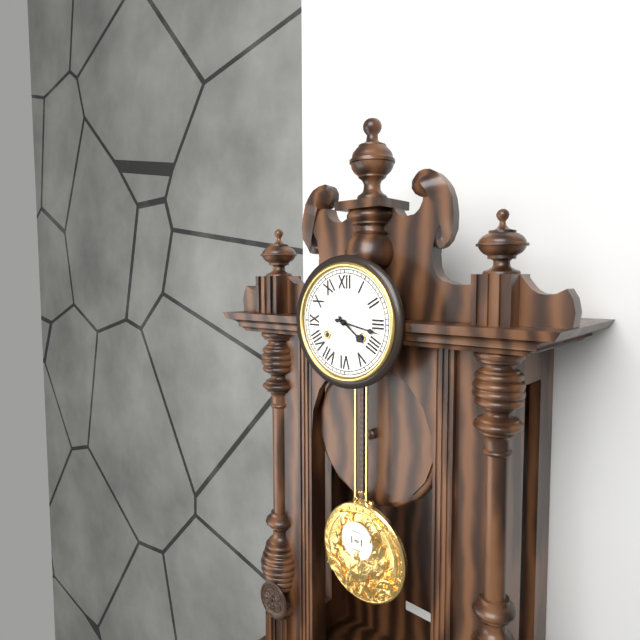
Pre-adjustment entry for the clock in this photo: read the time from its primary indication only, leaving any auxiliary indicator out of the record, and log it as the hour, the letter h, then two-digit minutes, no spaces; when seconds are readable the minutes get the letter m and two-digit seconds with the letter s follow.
4h17
